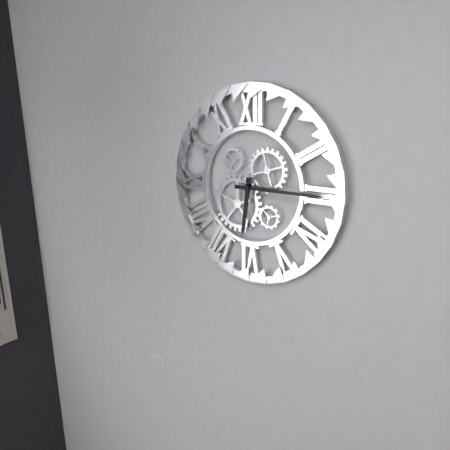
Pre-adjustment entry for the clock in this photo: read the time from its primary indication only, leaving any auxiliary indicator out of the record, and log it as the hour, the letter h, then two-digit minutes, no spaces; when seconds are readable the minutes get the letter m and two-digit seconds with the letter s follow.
6h15
